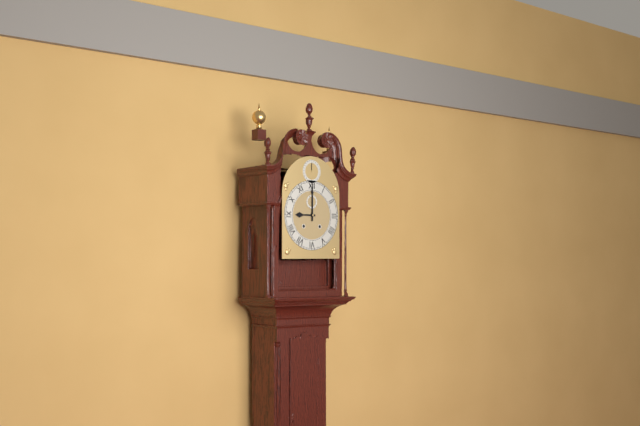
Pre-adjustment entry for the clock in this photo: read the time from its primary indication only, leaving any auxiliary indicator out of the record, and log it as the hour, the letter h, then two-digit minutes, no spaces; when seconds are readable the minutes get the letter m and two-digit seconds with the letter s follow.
9h00
